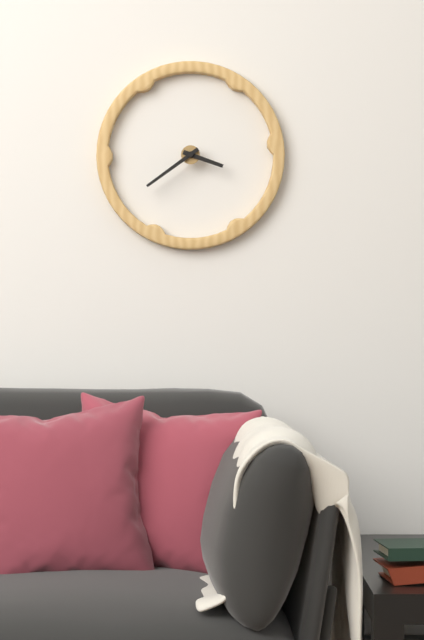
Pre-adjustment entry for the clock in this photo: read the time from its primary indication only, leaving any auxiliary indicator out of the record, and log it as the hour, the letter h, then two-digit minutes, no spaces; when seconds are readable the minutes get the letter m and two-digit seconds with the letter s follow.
3h39
